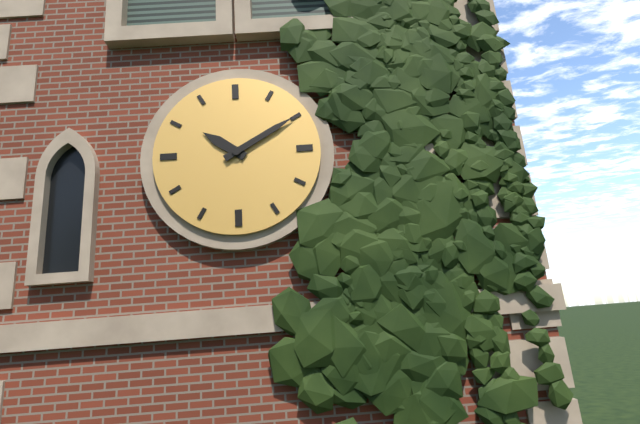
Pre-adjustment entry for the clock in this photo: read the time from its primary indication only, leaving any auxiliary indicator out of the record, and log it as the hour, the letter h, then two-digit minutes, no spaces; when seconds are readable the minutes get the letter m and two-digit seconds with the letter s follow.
10h10
